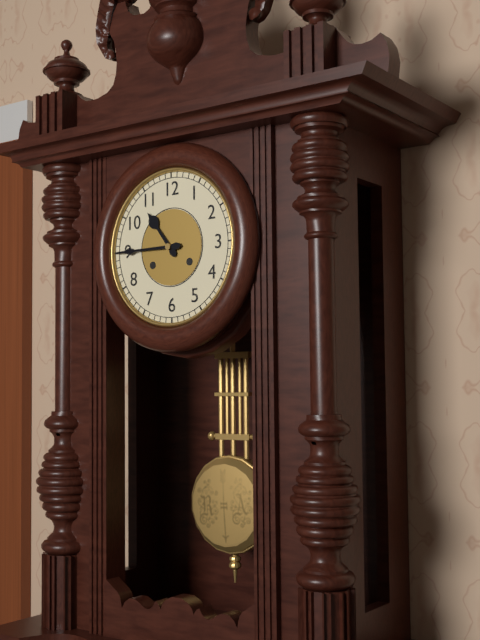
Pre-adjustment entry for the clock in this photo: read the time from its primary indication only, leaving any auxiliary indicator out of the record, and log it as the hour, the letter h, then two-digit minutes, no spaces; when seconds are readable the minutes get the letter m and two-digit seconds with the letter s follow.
10h45
